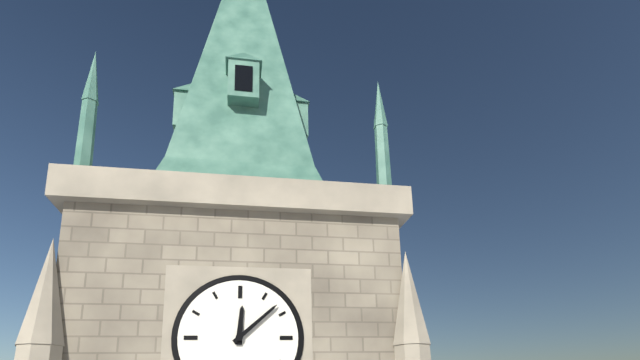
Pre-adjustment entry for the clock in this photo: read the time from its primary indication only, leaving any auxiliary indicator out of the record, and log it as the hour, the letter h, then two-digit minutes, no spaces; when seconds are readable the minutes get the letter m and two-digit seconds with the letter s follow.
12h08
